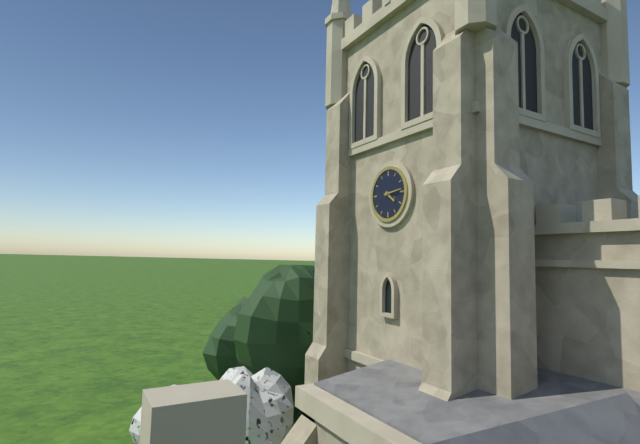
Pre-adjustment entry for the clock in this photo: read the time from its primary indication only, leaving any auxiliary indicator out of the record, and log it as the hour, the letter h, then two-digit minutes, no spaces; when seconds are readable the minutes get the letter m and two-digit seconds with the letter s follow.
4h14
